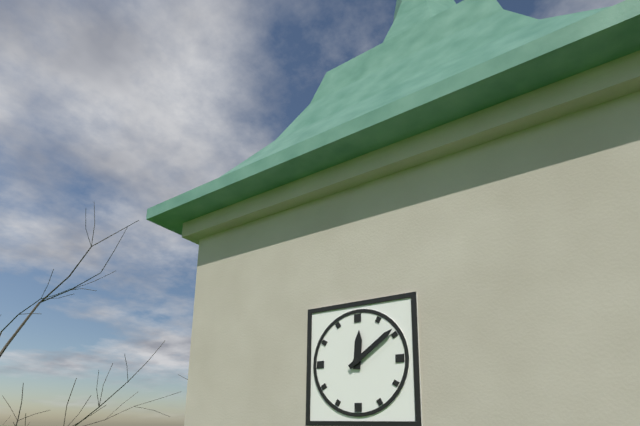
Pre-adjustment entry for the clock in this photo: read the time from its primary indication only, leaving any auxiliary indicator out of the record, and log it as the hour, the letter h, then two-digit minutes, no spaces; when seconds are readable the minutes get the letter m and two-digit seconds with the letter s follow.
12h09
